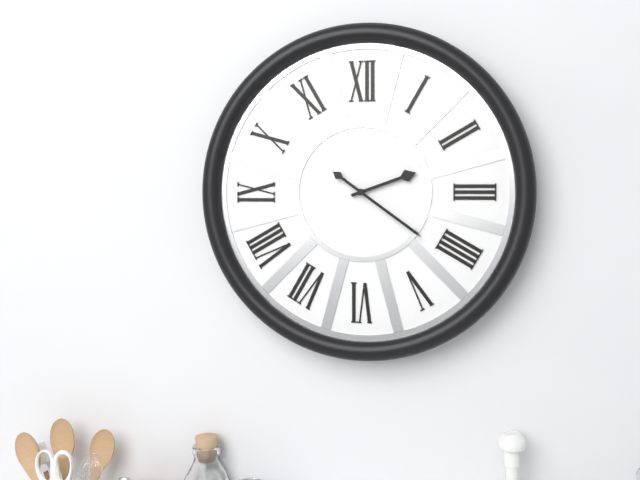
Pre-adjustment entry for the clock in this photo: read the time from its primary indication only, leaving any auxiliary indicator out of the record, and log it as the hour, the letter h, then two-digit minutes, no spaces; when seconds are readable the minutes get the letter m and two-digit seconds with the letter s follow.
2h21
